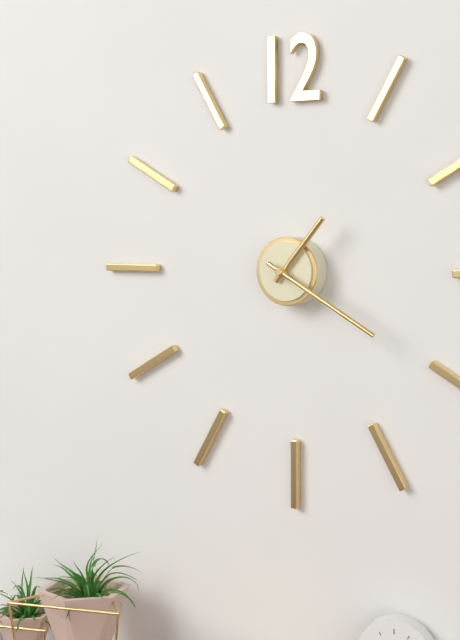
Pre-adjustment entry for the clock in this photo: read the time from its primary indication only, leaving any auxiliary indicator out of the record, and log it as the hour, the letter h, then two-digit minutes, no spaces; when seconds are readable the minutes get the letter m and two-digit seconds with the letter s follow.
1h20
